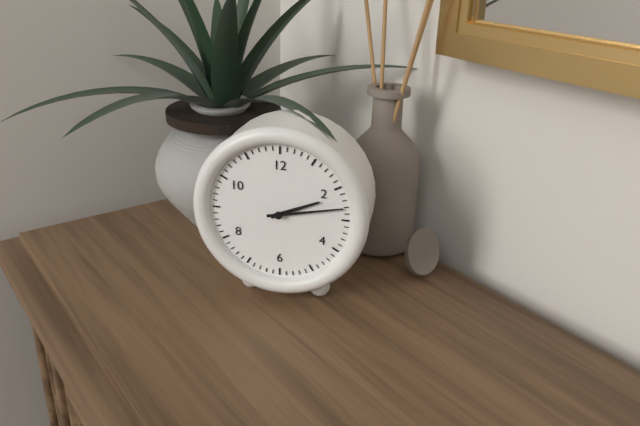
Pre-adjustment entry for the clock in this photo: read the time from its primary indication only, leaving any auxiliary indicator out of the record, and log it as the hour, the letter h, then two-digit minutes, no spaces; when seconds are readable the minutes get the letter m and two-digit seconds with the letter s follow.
2h13
